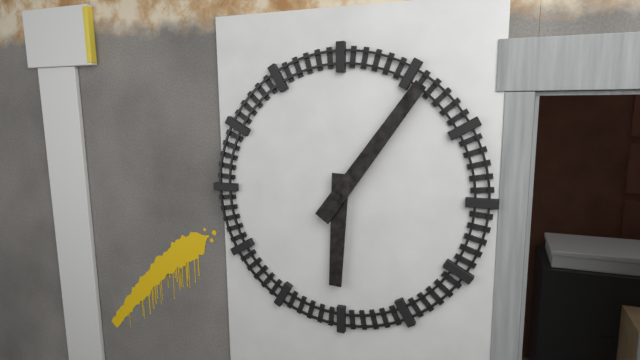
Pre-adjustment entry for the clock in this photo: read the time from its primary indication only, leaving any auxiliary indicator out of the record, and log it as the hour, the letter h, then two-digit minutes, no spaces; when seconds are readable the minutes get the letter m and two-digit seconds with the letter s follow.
6h06
